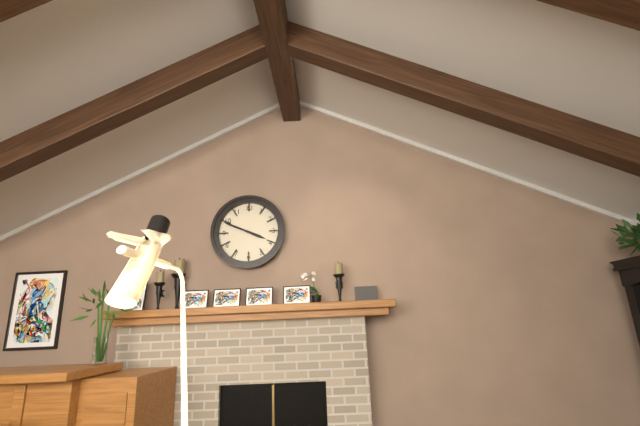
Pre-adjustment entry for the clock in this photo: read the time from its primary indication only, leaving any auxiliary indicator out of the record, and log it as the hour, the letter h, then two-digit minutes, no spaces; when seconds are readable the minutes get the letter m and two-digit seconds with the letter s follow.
3h49
